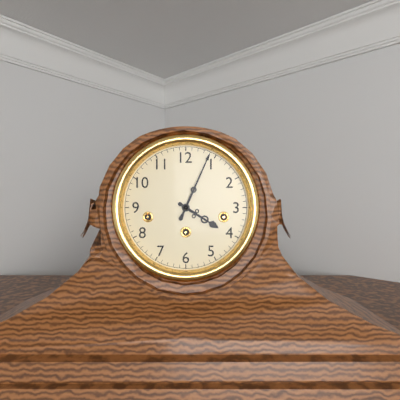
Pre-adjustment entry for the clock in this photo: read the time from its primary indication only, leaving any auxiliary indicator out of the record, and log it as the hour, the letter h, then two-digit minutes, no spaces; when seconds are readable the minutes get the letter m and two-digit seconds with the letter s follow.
4h04
